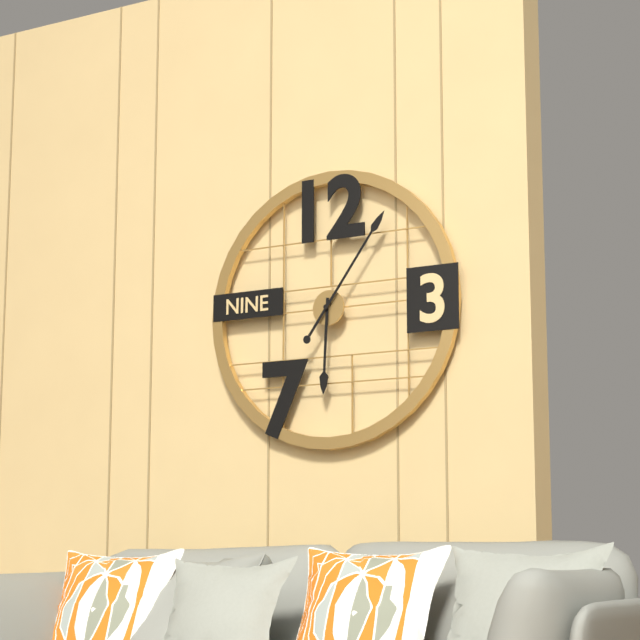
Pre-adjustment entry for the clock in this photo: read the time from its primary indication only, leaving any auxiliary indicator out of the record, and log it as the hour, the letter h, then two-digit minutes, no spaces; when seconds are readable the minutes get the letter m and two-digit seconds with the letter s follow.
6h06
